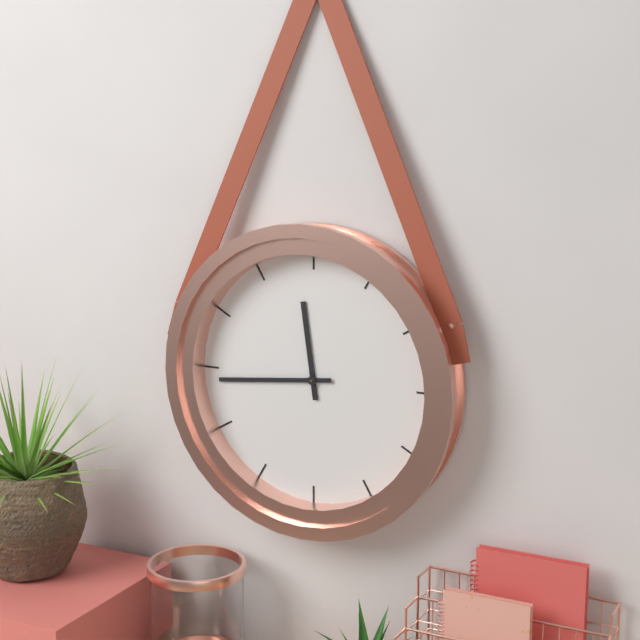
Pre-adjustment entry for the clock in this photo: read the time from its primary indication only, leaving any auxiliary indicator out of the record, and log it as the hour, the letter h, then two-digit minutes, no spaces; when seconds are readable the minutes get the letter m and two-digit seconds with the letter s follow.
11h44
